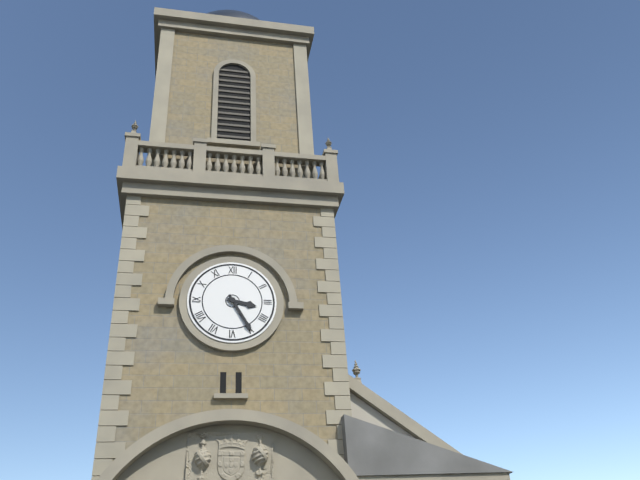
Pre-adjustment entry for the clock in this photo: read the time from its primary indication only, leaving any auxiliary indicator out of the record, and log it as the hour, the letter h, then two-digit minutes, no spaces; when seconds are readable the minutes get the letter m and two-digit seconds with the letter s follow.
3h25
